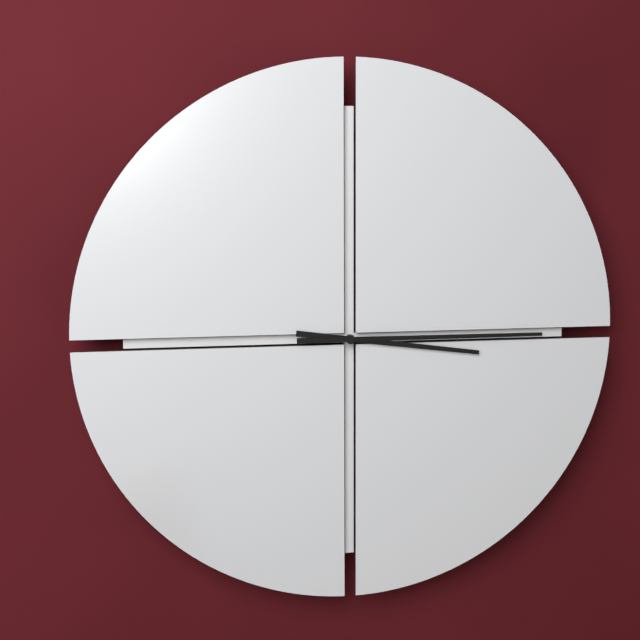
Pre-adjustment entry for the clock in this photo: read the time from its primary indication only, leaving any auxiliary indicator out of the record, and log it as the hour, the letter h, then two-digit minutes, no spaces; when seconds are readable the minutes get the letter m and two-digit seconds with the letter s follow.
3h15
